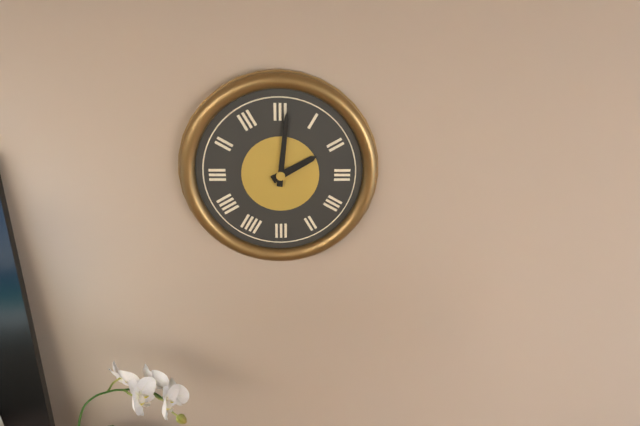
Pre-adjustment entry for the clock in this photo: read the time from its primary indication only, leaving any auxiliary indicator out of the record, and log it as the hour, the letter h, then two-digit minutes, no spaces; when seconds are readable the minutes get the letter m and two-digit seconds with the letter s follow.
2h01
